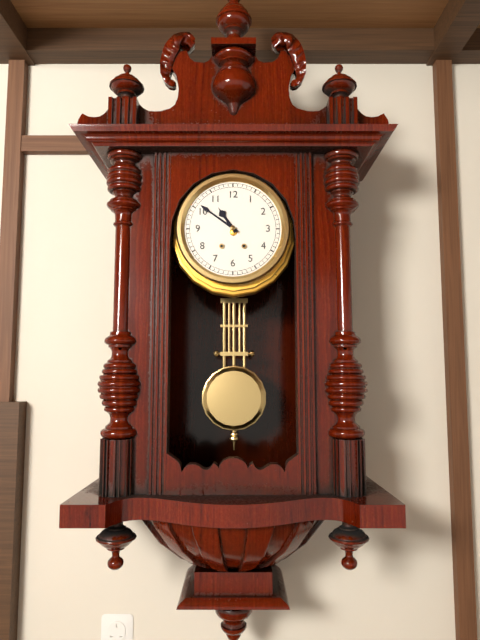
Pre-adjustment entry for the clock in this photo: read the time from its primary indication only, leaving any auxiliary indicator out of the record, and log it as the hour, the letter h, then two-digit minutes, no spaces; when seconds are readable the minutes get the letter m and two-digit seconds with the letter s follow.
10h51
